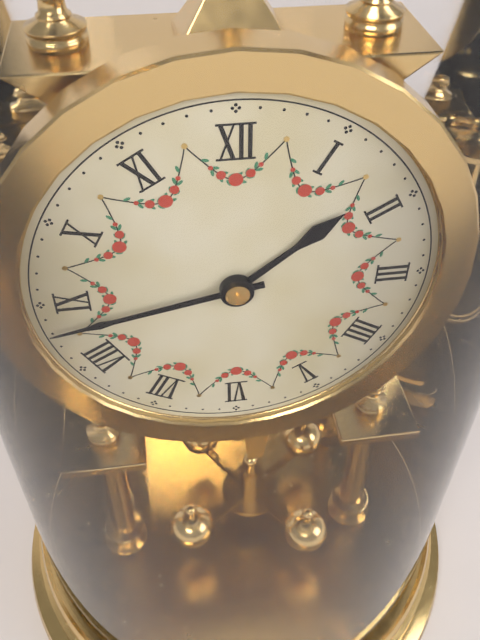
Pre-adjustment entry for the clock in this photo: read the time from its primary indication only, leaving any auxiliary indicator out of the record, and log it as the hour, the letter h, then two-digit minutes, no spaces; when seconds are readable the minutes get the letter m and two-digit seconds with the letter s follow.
1h43
